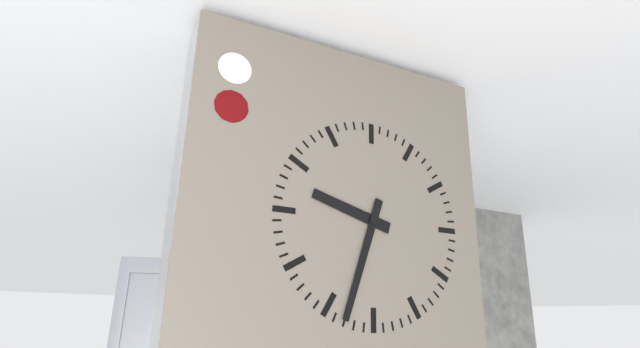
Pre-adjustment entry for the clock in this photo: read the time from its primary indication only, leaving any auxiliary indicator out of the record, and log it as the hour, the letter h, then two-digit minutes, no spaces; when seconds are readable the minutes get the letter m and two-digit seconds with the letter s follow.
9h33
